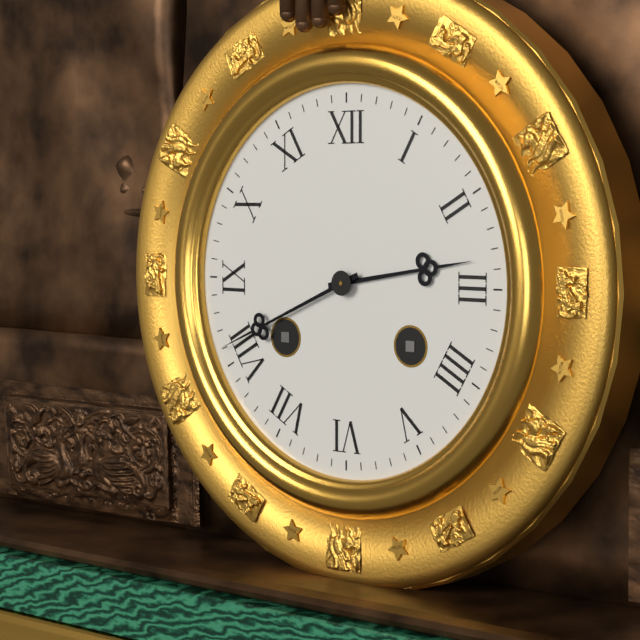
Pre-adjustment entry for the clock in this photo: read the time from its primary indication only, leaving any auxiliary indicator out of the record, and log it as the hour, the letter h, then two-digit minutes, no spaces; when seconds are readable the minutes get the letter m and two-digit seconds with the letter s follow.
2h41
